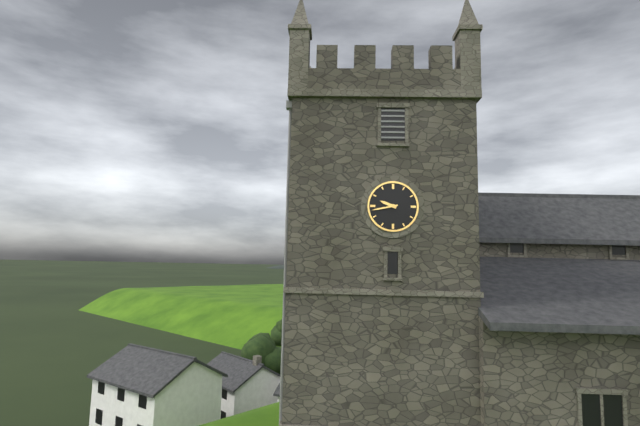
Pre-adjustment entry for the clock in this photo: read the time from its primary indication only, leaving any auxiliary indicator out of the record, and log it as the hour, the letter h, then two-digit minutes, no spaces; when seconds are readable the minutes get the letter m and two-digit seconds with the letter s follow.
9h43
